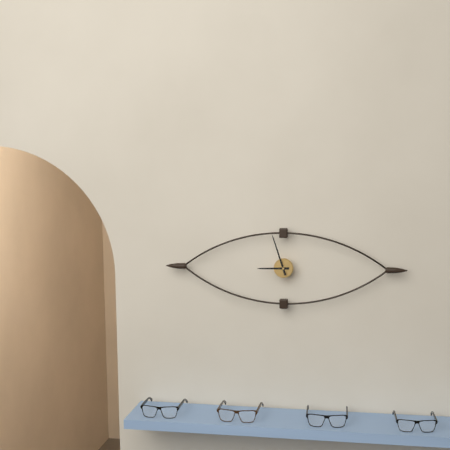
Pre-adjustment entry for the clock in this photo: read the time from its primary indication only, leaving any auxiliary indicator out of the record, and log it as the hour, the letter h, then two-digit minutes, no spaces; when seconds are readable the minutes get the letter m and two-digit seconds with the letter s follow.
8h57
